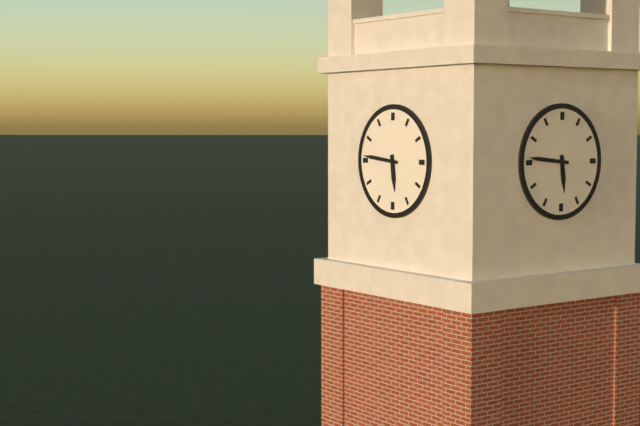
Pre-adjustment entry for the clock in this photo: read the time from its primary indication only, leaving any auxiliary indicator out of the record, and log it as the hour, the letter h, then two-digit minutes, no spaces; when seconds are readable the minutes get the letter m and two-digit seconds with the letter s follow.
5h46
